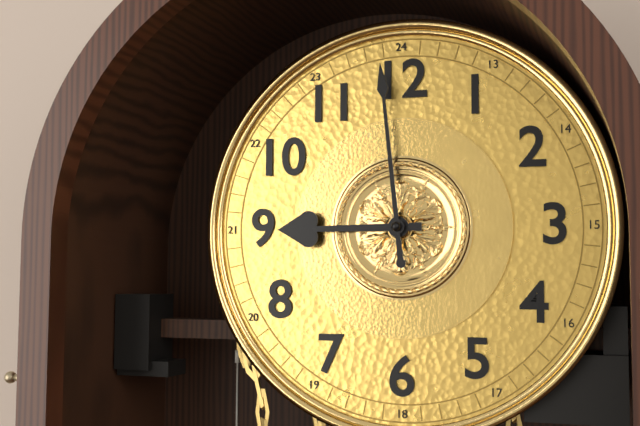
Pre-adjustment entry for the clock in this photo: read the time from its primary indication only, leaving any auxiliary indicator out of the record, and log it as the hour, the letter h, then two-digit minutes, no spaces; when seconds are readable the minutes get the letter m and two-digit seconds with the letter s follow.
8h59
